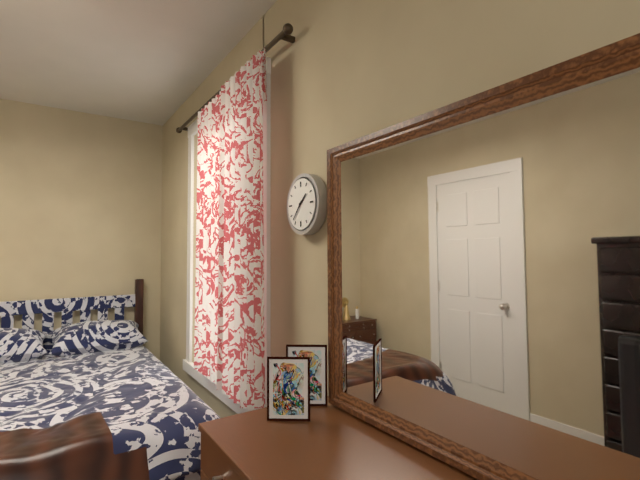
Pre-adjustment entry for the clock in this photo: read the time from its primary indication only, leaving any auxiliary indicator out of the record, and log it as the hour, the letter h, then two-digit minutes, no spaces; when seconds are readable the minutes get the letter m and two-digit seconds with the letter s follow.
1h37
